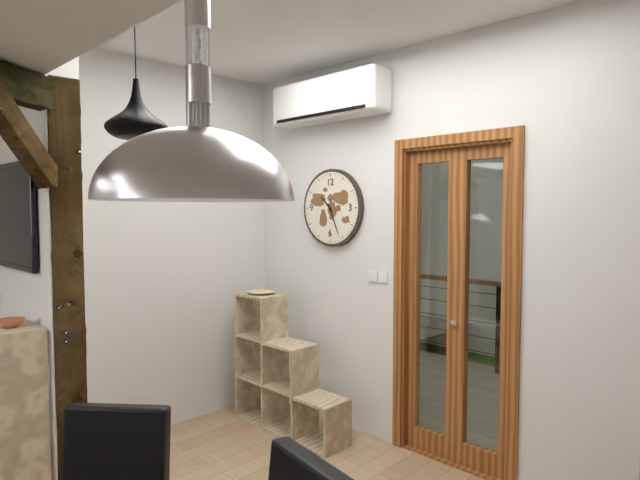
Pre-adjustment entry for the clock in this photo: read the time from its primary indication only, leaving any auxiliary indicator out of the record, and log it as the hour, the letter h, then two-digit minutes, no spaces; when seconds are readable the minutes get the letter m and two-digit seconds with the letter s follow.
10h26
